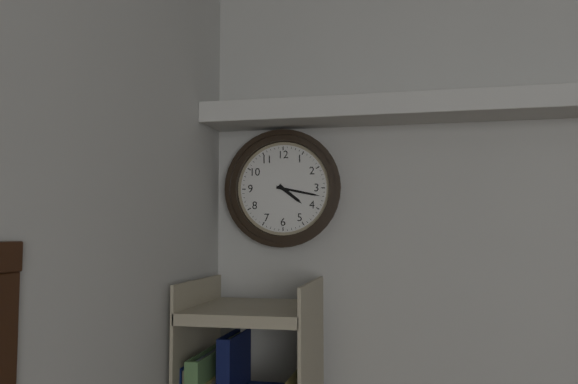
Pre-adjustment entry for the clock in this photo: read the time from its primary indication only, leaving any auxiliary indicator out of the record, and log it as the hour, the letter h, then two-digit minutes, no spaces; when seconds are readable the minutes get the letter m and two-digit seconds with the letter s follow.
4h17
